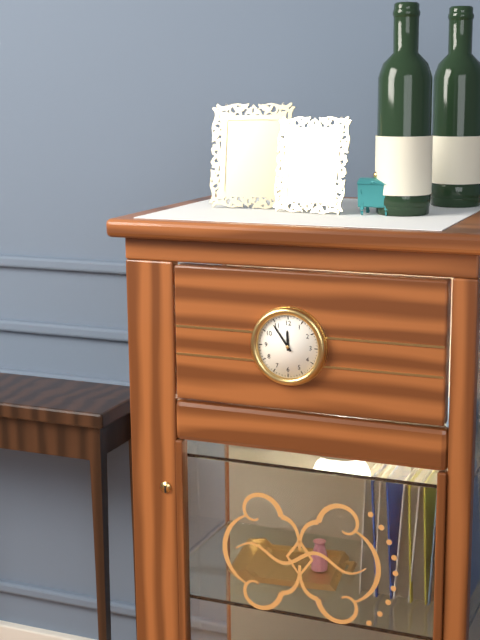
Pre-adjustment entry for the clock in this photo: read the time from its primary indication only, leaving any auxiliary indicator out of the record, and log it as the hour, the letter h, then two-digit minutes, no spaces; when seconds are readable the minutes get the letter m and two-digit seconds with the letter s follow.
11h54
